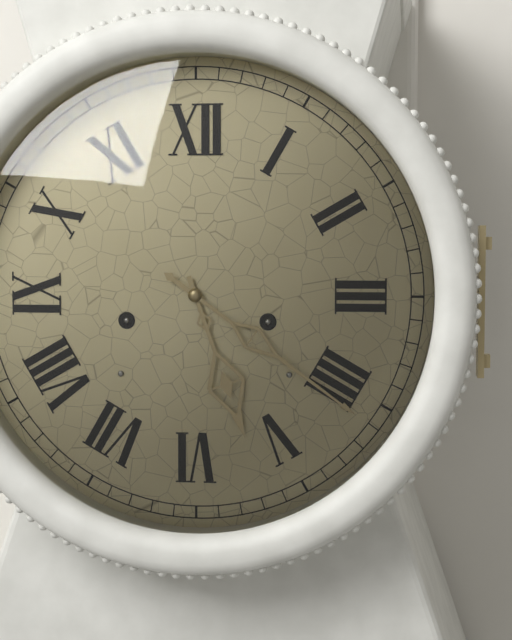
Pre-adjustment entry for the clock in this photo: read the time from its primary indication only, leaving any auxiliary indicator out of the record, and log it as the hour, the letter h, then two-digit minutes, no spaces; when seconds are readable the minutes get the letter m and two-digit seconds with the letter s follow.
5h21
